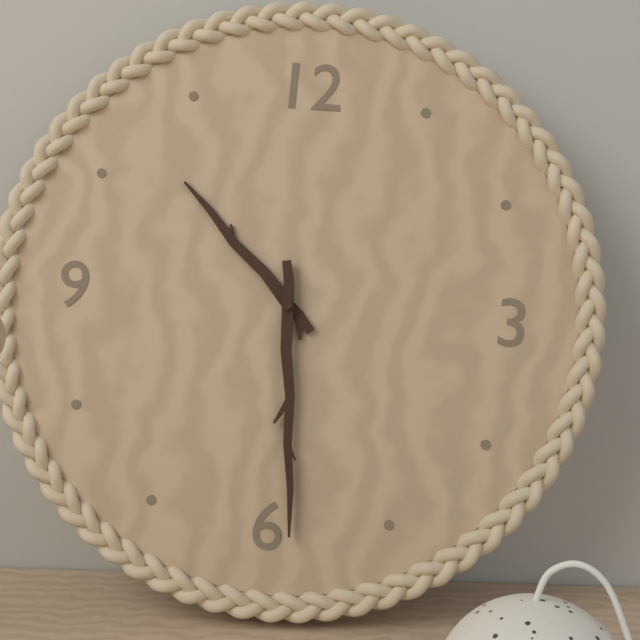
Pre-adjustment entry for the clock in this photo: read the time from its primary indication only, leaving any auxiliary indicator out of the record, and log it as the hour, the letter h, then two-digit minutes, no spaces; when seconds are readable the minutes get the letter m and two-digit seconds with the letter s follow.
10h29
